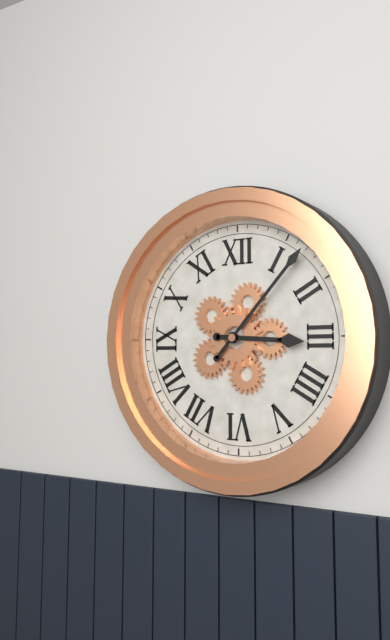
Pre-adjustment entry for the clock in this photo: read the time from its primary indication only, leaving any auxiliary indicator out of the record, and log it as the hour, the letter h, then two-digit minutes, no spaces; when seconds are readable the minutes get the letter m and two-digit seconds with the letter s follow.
3h07
